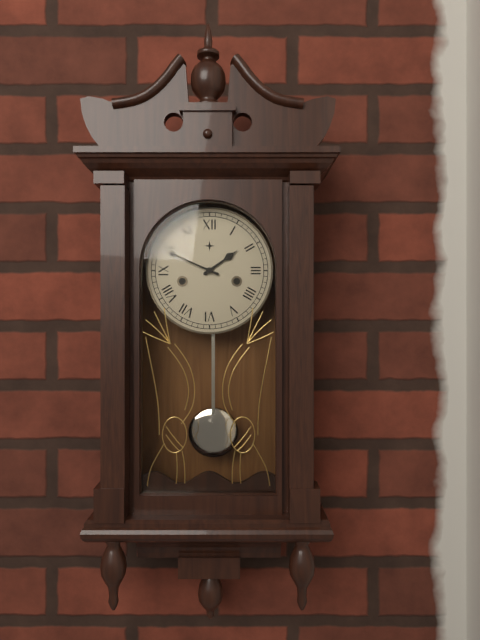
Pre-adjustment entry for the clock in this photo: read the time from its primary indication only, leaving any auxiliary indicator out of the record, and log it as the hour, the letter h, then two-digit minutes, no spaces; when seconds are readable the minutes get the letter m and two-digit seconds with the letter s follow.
1h49
